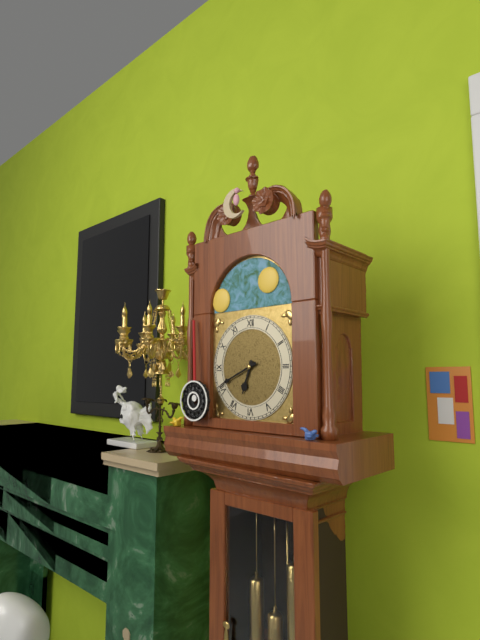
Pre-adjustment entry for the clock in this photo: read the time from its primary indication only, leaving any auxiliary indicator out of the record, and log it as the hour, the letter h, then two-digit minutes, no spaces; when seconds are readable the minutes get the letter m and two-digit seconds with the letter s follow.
6h41
